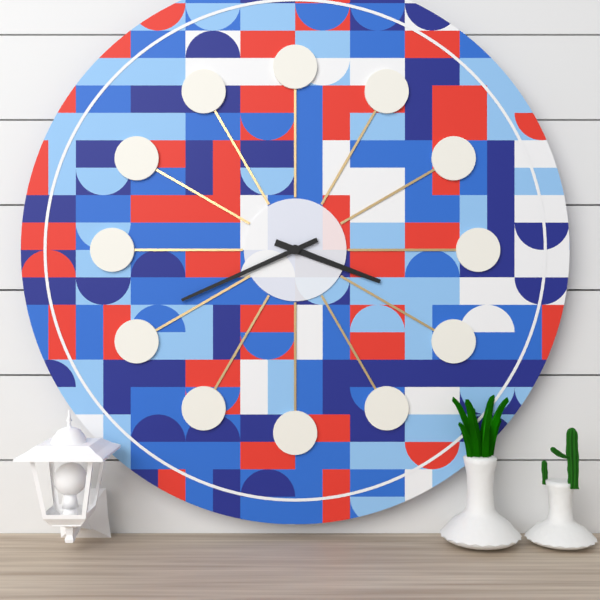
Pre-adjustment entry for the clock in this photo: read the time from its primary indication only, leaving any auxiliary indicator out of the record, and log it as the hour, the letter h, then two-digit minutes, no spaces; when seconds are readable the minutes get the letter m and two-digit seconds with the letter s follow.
3h41
